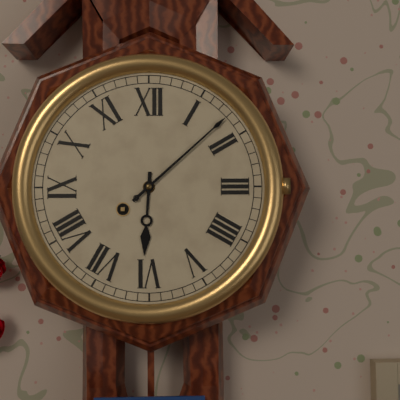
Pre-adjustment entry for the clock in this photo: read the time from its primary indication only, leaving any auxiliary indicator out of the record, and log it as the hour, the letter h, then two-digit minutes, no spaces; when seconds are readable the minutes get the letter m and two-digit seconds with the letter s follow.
6h08
